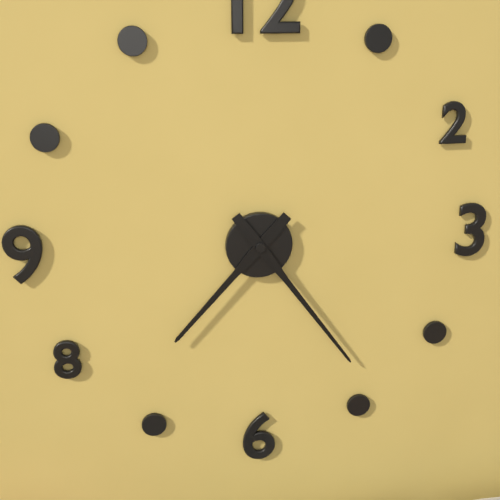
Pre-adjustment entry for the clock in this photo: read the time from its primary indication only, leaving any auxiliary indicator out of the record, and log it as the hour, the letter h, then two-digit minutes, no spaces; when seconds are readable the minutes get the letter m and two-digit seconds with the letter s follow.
7h24
